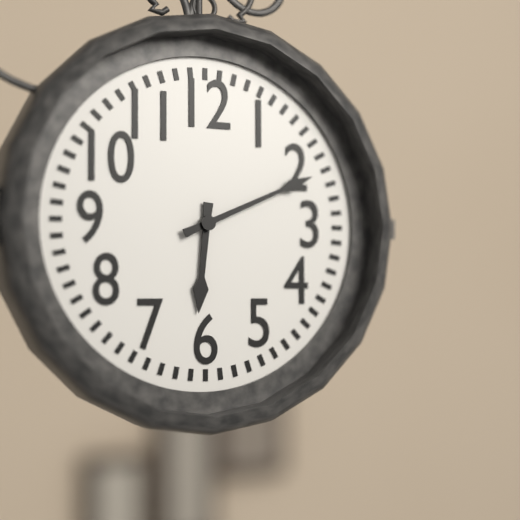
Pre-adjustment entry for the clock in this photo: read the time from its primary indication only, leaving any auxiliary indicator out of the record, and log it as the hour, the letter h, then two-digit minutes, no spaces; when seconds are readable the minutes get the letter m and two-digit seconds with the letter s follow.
6h11
